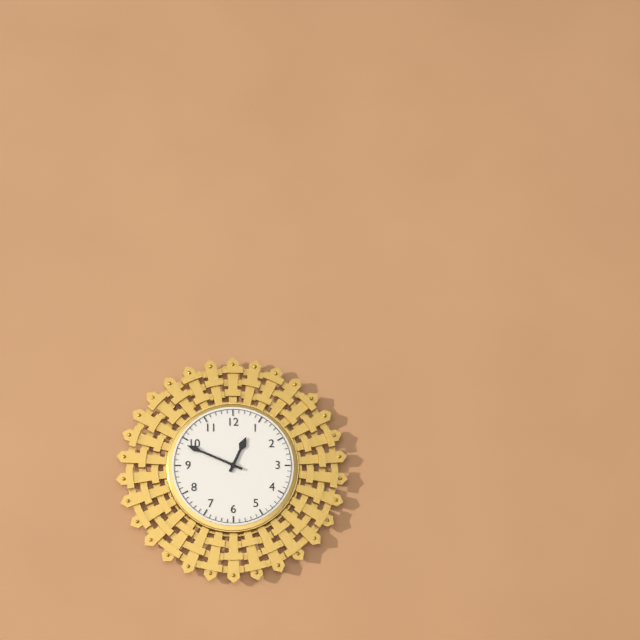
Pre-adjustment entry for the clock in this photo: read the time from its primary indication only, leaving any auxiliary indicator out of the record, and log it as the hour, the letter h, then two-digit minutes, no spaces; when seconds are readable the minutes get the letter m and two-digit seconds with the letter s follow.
12h49
